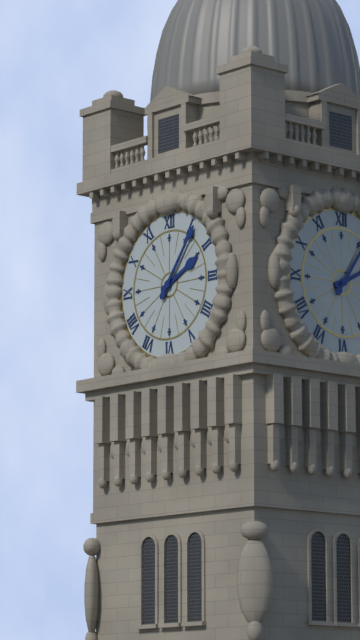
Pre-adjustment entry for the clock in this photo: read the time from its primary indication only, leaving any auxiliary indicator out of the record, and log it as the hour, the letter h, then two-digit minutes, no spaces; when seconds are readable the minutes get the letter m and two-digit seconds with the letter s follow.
2h06
